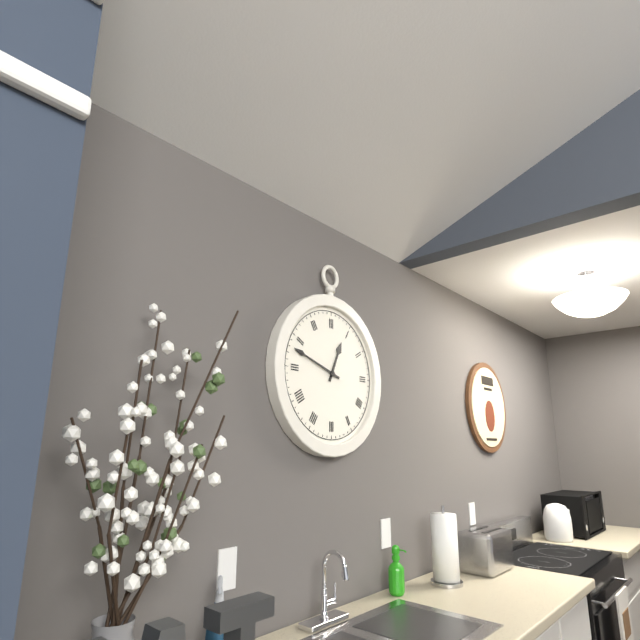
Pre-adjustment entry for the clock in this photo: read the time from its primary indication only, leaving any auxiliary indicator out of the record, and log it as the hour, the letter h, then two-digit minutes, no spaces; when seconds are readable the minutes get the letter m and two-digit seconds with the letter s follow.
12h48
